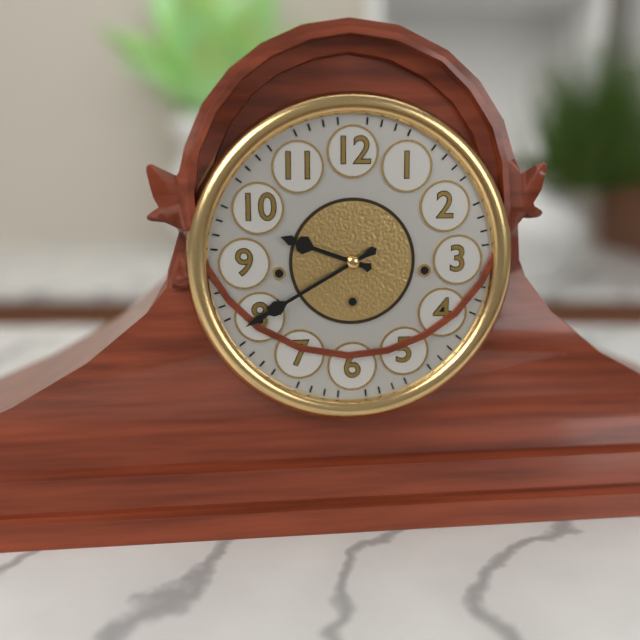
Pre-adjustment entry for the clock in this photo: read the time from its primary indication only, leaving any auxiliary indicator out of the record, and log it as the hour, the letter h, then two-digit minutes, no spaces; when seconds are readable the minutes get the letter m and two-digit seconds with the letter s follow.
9h40
